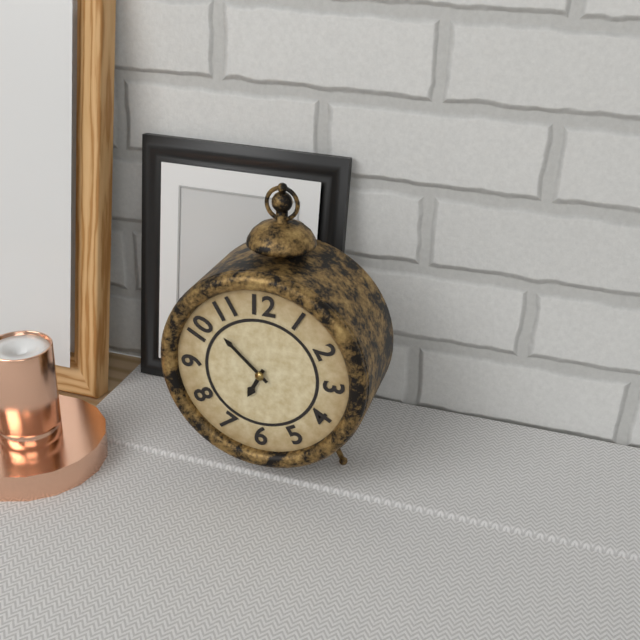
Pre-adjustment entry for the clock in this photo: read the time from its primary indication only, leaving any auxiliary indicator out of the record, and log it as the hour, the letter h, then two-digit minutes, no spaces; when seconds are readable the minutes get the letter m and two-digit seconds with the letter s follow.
6h52
